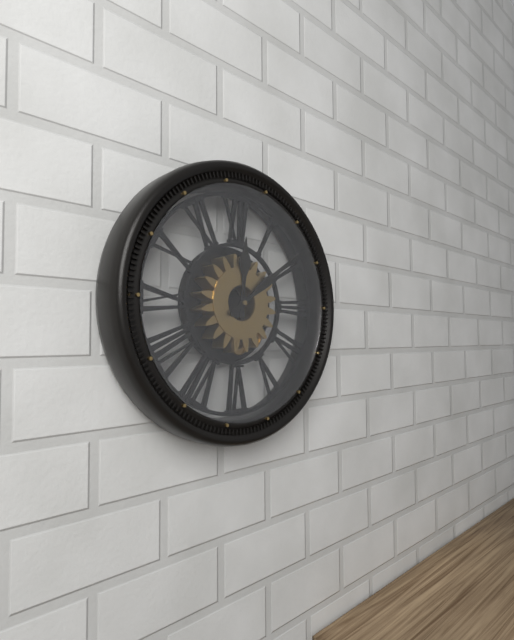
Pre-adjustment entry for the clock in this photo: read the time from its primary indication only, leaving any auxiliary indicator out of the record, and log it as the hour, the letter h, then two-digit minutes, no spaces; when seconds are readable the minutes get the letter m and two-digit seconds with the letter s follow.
12h09
